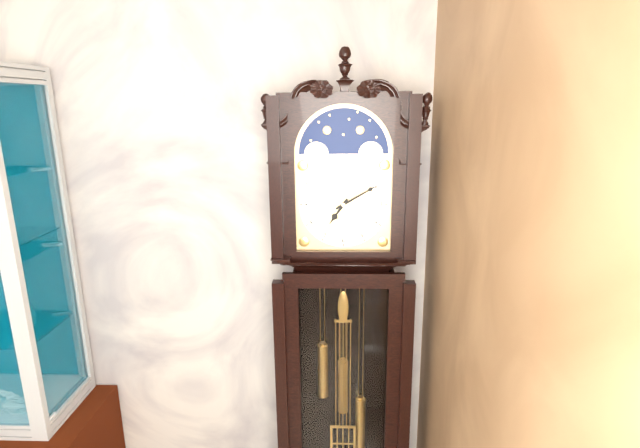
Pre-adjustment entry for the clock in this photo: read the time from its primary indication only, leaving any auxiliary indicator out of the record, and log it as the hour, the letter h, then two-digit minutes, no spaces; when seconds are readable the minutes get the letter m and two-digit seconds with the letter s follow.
7h10
